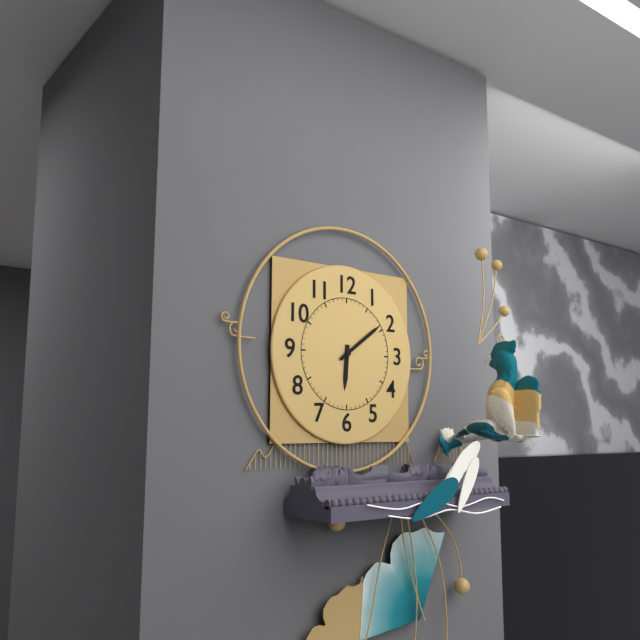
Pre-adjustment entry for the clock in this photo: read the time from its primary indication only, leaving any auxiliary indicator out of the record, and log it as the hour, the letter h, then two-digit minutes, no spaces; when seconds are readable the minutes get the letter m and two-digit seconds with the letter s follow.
6h09
